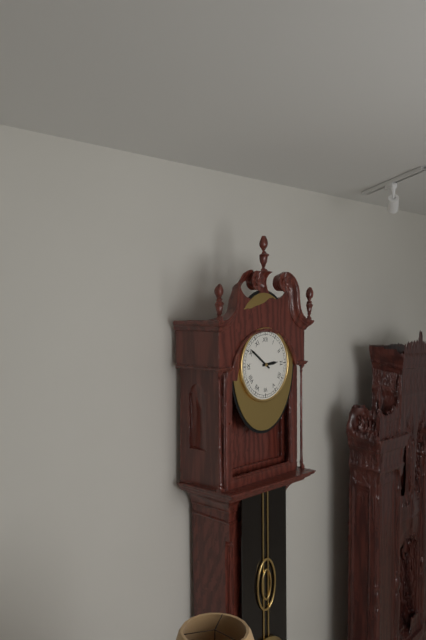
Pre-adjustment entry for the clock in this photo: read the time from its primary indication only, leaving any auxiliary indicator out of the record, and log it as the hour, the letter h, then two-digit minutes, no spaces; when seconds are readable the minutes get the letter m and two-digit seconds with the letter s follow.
2h51
